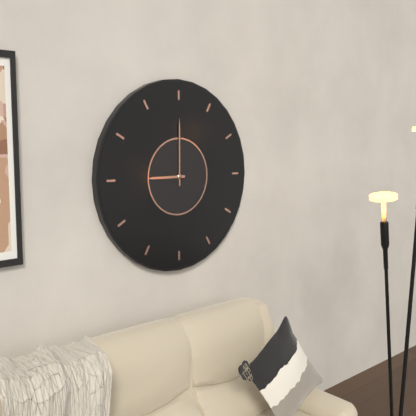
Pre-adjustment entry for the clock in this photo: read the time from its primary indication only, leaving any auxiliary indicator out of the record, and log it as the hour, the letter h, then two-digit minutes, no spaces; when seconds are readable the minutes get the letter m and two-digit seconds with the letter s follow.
9h00
